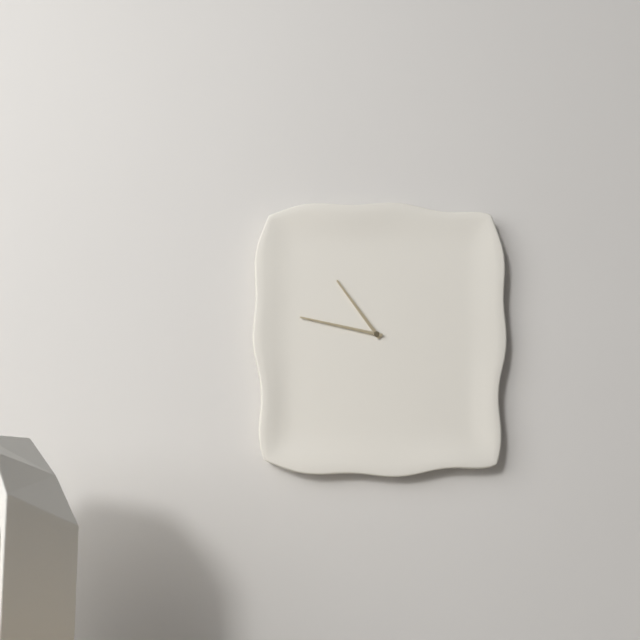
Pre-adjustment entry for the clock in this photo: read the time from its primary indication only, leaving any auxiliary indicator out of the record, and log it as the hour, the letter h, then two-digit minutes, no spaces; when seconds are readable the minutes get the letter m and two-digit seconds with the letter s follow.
10h47
